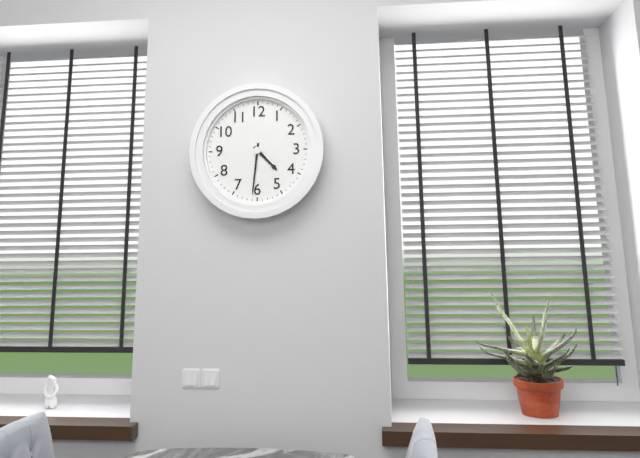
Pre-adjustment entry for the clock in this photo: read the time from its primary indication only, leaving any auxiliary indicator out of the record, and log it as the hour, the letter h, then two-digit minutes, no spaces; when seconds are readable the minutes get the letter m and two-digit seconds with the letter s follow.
4h31
